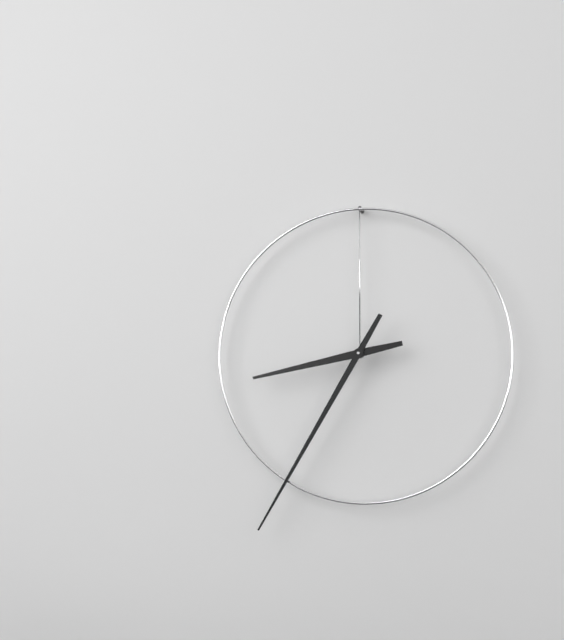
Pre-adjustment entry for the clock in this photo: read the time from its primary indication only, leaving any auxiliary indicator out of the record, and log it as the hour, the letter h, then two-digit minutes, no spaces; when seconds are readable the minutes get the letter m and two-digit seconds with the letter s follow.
8h35
